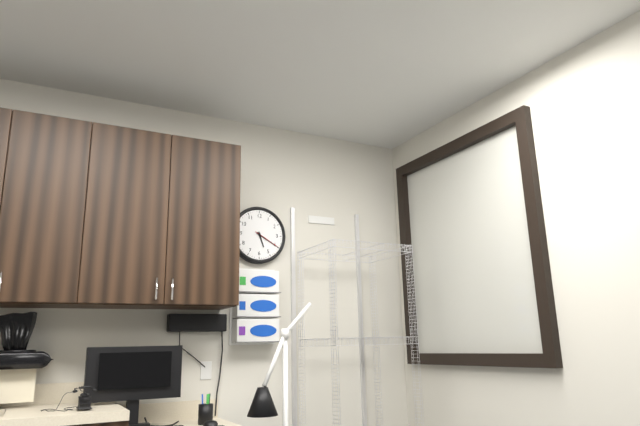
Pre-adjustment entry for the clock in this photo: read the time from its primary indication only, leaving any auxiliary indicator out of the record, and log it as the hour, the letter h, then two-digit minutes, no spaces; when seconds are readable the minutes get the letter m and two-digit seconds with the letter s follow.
5h20
